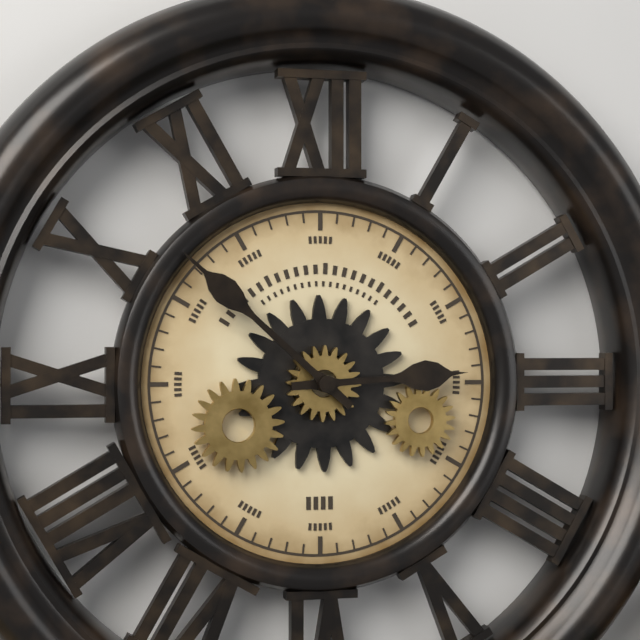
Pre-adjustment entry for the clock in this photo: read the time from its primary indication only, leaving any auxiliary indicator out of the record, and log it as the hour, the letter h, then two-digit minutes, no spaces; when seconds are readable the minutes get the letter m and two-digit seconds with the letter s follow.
2h52
